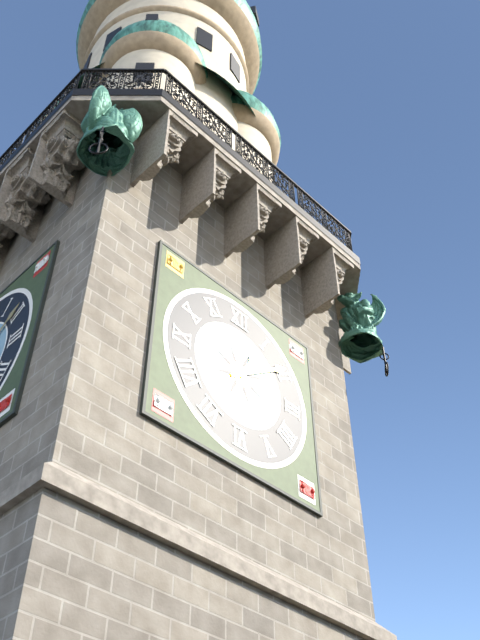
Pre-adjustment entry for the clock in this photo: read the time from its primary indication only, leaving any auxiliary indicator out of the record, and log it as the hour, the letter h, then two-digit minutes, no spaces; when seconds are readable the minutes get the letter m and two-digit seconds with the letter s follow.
1h09
